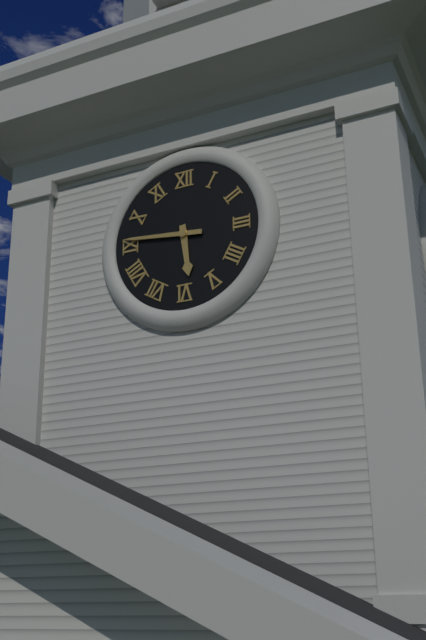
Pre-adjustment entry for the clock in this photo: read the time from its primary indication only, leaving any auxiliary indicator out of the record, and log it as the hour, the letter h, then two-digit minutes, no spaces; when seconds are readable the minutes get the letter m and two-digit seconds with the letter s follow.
5h46
